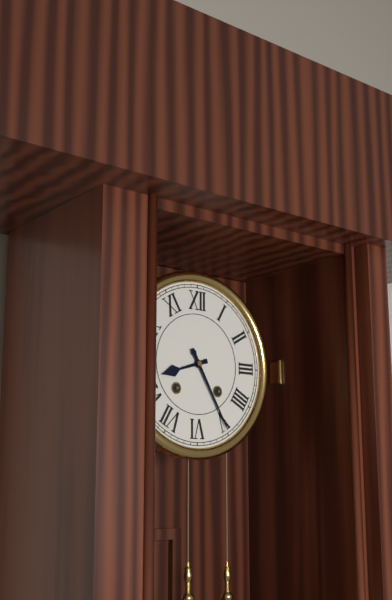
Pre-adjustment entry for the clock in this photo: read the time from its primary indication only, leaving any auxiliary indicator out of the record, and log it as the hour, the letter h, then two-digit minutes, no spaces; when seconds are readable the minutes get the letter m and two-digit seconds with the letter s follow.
8h25
